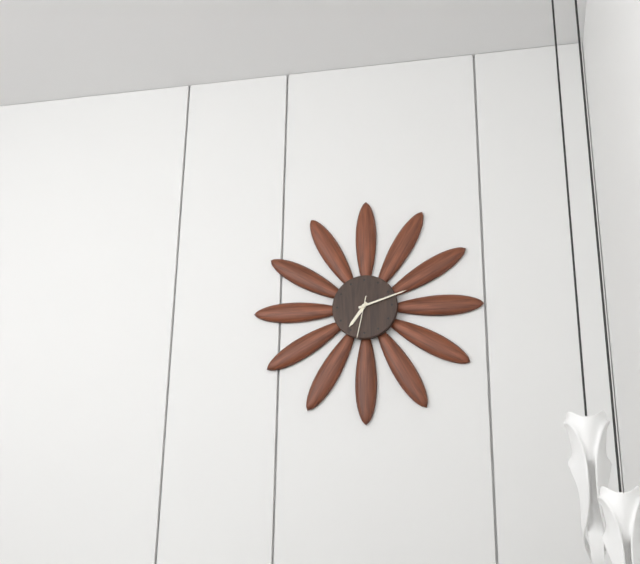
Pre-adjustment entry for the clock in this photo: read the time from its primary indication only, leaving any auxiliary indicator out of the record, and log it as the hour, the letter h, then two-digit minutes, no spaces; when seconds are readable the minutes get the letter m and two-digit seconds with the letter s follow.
7h12
